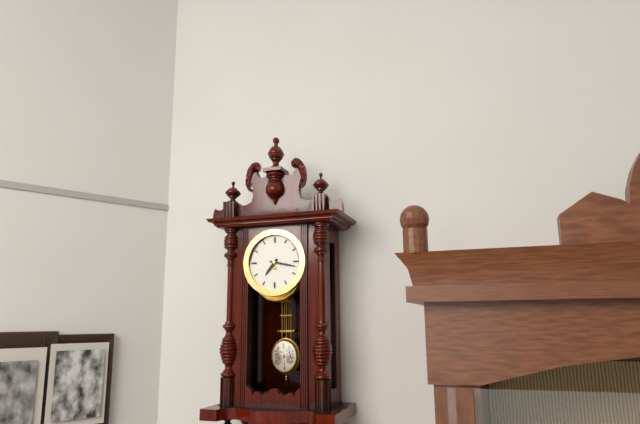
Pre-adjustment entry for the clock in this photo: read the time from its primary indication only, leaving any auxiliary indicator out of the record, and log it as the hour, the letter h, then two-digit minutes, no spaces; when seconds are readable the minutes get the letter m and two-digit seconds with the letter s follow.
7h17
